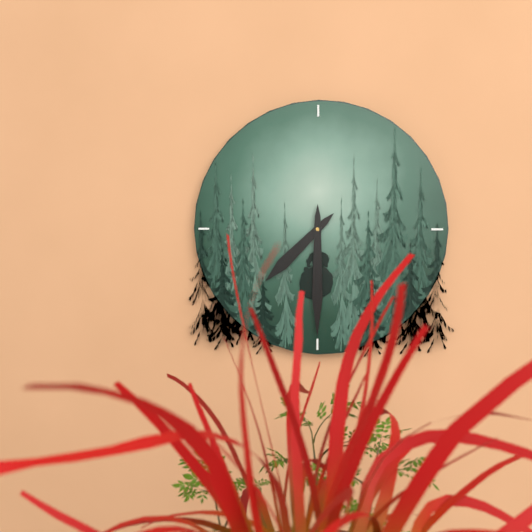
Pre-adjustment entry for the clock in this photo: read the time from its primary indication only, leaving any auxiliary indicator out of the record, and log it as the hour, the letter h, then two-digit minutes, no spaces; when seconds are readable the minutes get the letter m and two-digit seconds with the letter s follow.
7h30
